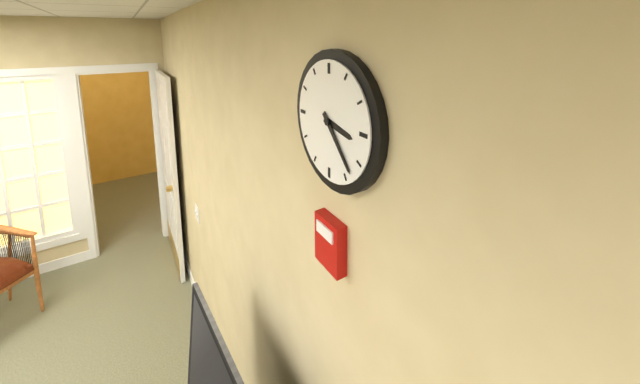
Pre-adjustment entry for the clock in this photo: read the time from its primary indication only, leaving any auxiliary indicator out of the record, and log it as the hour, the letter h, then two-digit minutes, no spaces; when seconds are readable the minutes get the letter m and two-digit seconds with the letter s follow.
3h23
